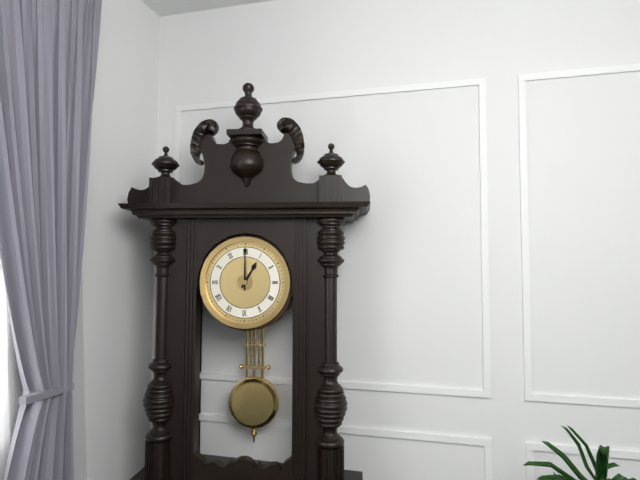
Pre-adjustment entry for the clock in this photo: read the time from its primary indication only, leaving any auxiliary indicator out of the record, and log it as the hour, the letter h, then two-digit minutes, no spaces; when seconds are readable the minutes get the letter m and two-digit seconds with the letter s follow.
1h00
